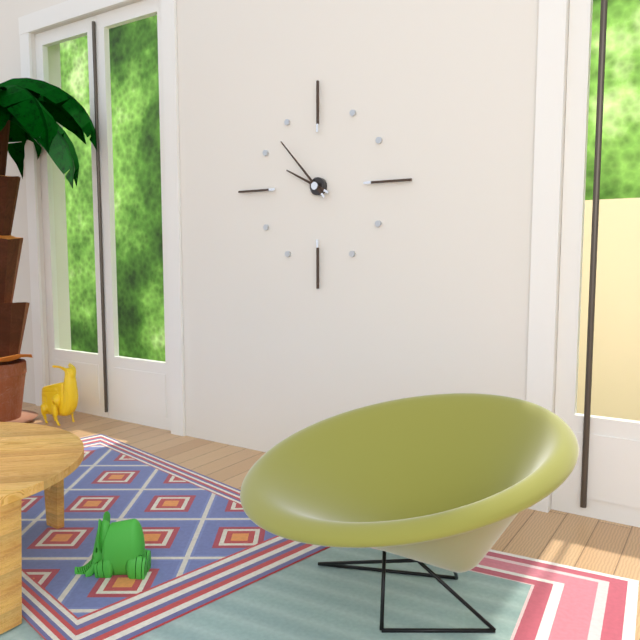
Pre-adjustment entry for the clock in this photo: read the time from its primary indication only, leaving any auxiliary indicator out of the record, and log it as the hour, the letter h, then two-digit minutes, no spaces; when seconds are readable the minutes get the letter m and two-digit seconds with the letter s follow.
9h53
